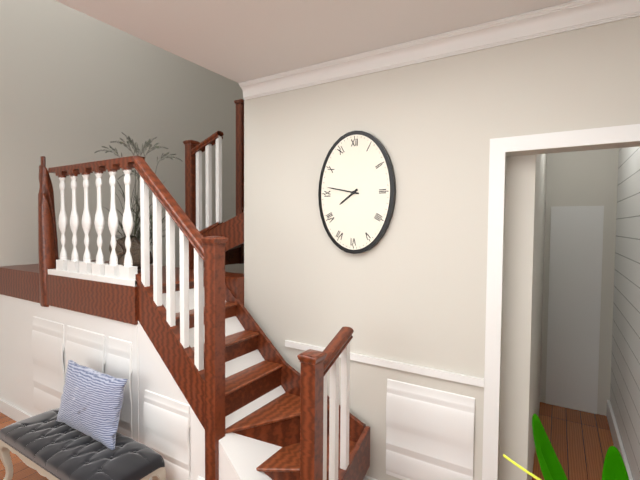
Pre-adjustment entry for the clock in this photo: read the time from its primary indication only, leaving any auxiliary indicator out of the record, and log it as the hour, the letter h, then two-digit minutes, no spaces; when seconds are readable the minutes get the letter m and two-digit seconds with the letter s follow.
7h47
